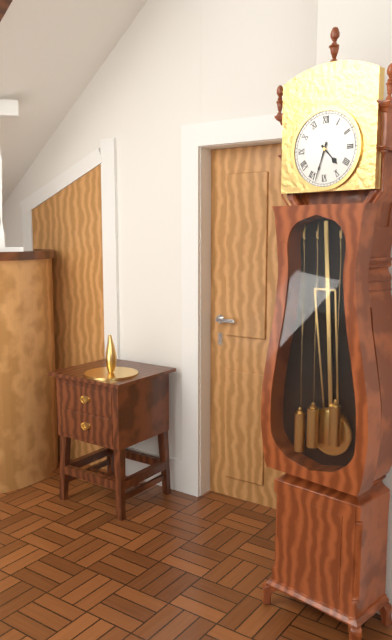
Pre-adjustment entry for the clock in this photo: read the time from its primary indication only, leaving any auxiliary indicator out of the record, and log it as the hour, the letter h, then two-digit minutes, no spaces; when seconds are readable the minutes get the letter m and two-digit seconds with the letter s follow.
4h33
